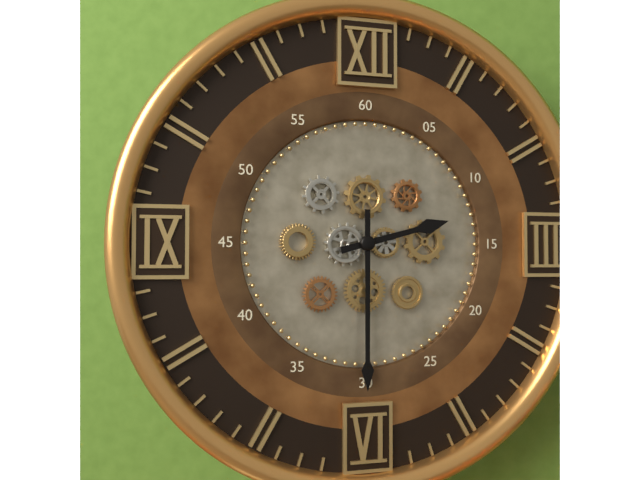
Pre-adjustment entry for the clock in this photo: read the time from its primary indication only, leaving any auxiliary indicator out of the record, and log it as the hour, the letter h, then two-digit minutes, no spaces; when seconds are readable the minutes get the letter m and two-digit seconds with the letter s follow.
2h30
